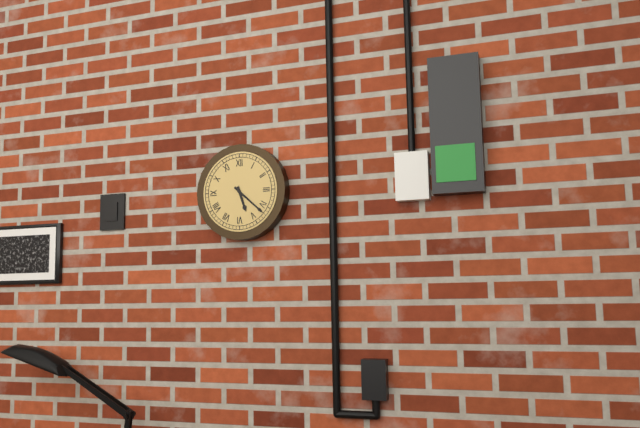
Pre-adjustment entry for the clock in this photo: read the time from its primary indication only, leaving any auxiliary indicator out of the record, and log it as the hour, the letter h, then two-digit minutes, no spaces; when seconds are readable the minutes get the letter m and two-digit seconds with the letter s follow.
5h22
